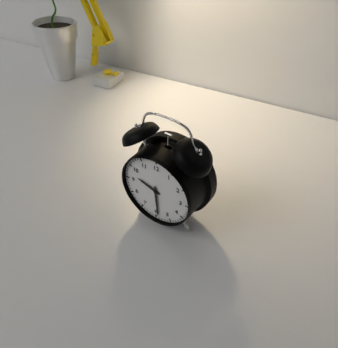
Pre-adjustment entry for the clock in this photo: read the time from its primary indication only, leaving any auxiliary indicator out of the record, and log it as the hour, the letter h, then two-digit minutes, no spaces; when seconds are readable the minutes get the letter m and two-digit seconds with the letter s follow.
9h29
